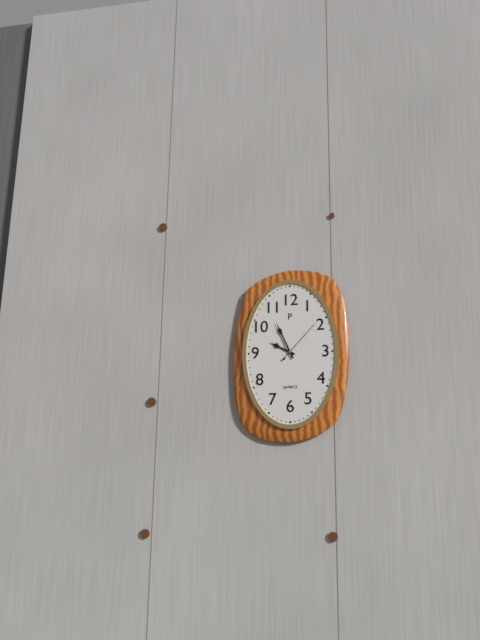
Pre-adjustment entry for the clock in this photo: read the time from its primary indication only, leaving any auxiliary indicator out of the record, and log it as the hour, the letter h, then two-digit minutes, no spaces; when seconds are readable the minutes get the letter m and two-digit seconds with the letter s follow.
9h56
